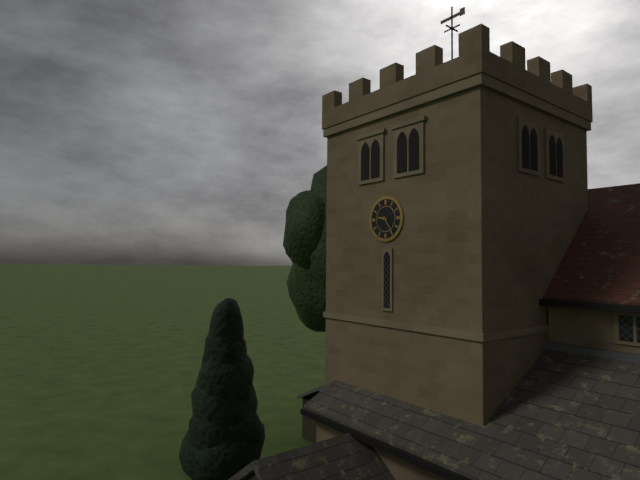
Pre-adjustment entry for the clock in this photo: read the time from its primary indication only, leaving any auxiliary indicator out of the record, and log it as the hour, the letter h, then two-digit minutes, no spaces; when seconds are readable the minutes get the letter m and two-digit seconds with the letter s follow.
9h24
